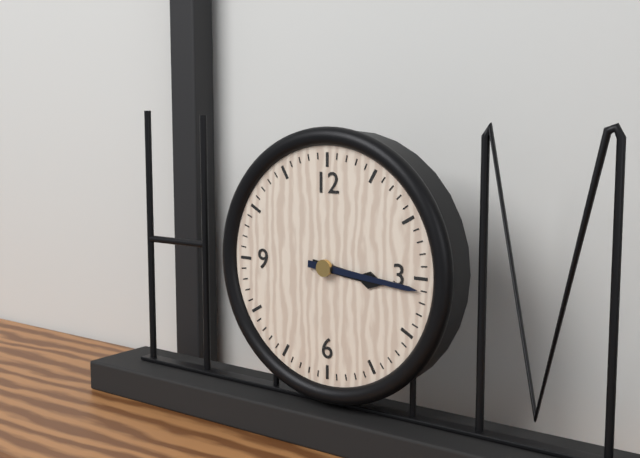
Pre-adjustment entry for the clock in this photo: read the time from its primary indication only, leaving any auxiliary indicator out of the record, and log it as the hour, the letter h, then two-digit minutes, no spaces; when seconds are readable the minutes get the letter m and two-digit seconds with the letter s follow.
3h16
